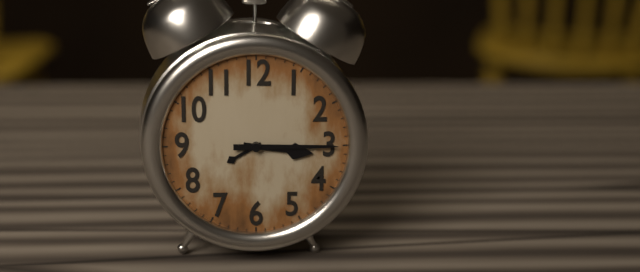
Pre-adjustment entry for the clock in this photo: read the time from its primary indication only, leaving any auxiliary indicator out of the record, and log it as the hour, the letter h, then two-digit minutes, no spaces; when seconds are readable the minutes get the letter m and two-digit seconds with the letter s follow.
3h15
